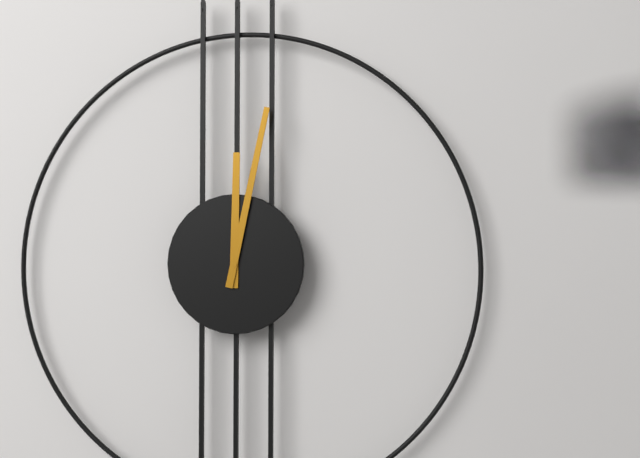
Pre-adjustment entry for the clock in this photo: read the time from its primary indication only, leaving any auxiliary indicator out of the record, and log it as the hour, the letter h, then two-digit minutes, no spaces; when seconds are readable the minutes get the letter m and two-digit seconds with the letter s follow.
12h02
